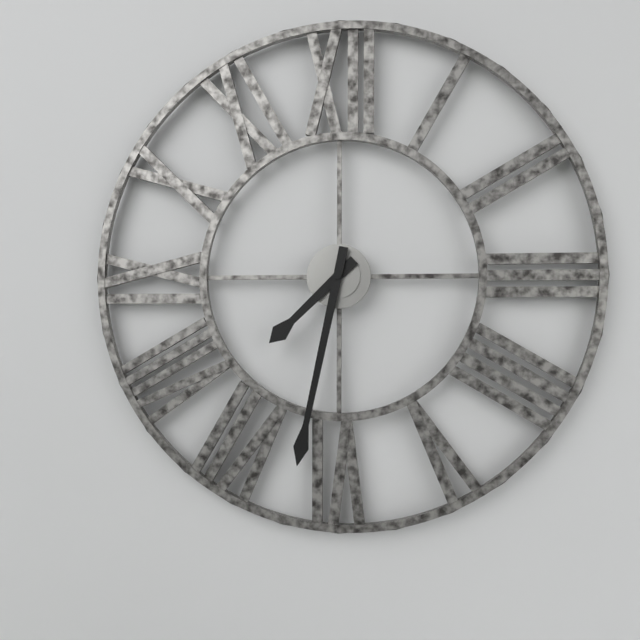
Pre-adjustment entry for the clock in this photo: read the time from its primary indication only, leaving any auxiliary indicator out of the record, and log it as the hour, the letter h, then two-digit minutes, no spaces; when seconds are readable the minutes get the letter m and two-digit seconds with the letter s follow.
7h32
